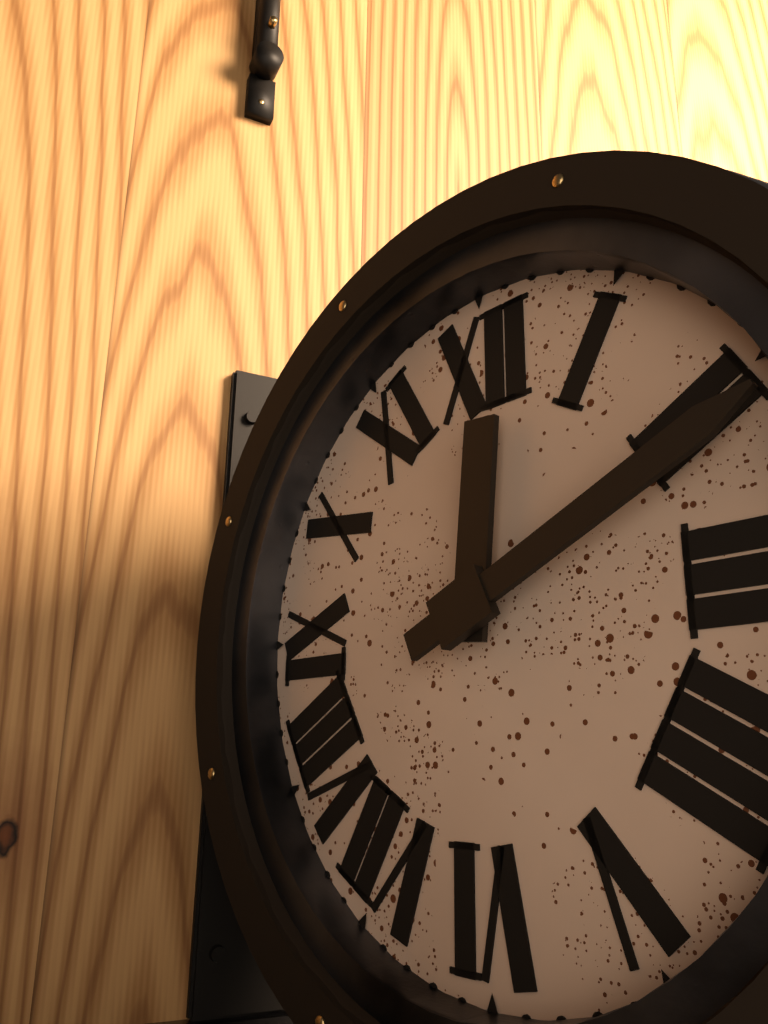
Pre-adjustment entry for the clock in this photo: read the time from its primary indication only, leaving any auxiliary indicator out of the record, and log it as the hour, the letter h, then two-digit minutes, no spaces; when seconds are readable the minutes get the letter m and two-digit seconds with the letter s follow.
12h11
